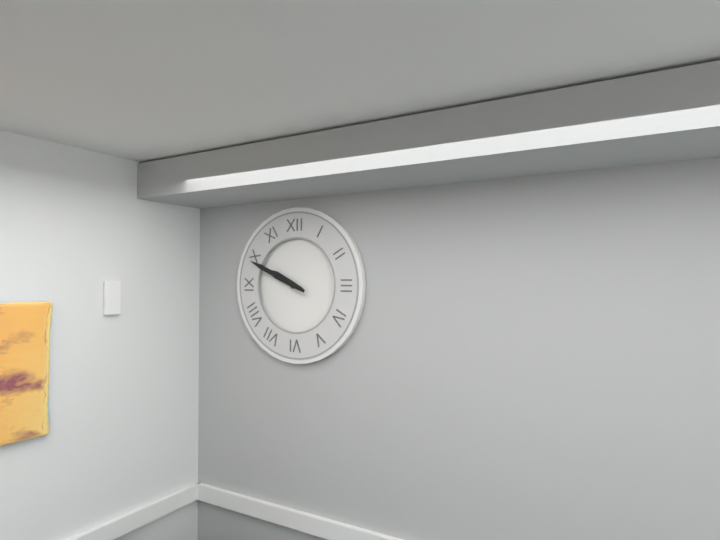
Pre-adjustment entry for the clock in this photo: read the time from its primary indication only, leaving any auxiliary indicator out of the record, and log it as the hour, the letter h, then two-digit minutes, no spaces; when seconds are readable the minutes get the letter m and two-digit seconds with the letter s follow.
9h49
